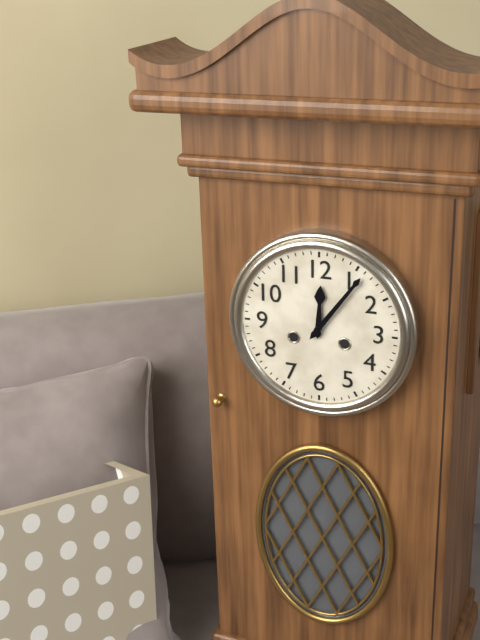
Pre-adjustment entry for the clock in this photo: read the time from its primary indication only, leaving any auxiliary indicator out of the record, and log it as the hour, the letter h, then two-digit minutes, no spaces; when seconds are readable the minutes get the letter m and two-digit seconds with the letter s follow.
12h06
